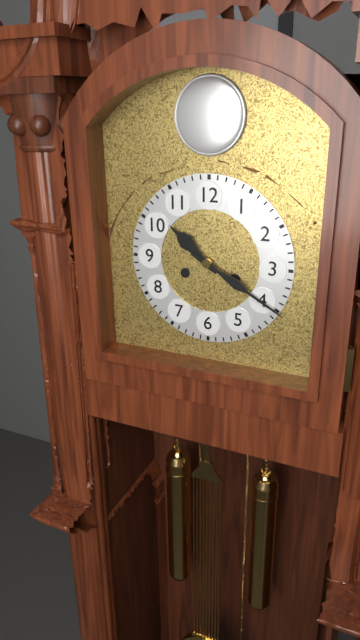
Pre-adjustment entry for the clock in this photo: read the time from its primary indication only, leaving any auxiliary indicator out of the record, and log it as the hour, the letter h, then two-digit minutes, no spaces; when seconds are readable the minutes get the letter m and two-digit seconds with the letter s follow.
10h20
